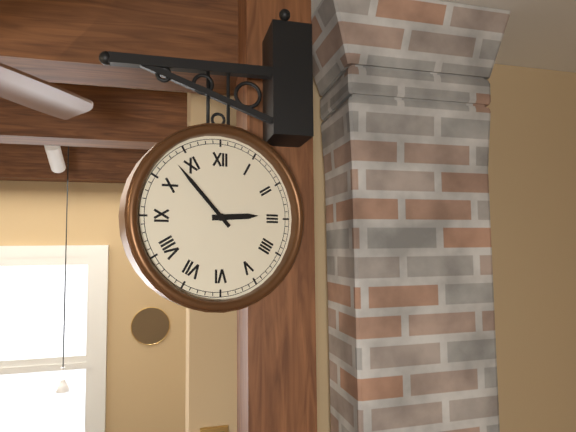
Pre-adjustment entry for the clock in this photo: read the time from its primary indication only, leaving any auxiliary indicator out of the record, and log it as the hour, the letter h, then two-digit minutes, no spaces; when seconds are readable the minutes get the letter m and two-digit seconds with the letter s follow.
2h53
